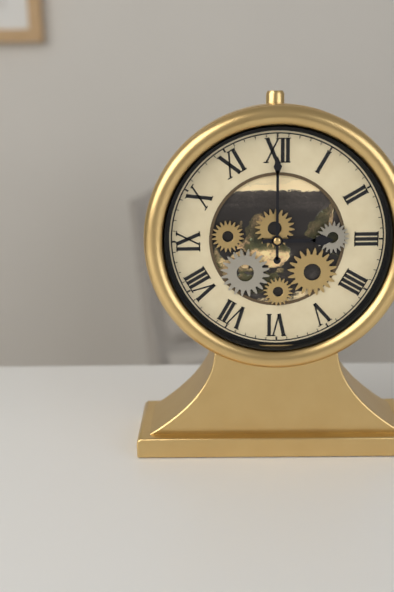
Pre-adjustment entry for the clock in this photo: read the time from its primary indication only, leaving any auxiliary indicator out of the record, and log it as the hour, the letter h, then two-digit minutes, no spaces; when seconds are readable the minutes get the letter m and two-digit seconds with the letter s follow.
3h00
